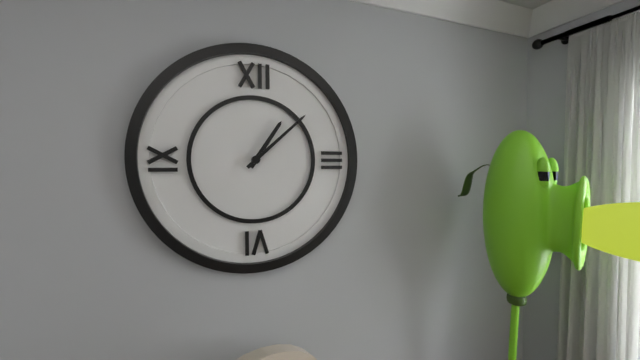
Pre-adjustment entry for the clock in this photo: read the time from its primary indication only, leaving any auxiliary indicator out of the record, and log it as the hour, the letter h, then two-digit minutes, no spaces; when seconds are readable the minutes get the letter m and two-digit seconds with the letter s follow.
1h08
